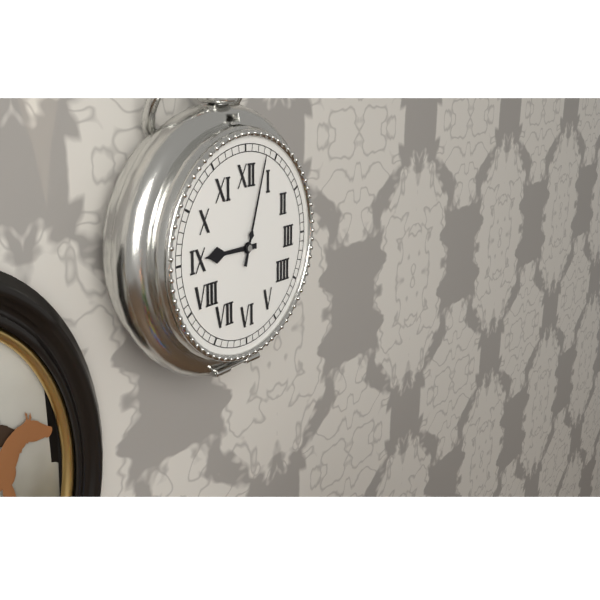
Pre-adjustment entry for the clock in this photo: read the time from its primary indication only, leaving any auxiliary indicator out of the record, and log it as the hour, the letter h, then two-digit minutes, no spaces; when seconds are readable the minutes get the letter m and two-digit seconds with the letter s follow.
9h03
